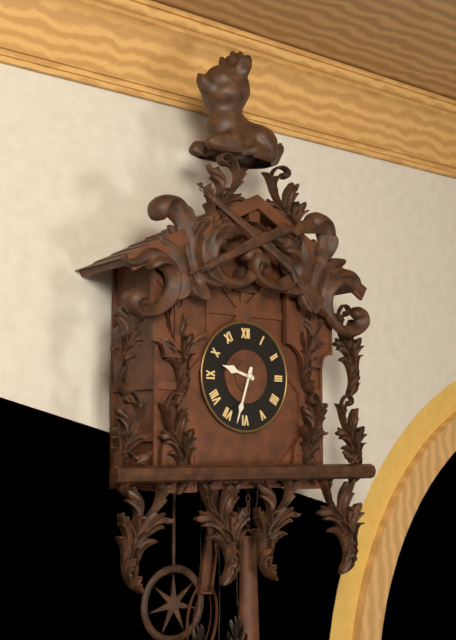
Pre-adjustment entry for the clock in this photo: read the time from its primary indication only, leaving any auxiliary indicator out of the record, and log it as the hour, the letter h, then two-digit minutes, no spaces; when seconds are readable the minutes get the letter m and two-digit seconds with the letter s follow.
9h33
